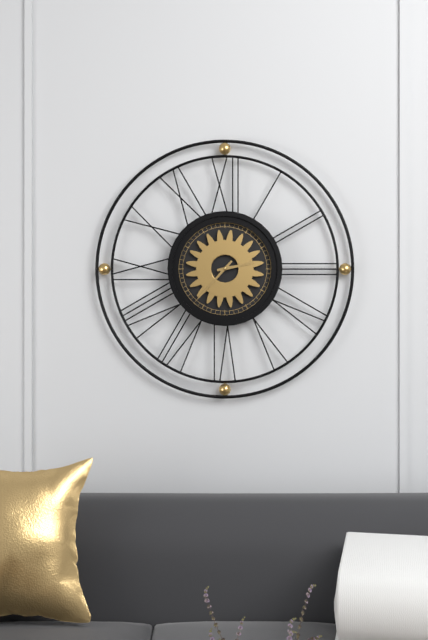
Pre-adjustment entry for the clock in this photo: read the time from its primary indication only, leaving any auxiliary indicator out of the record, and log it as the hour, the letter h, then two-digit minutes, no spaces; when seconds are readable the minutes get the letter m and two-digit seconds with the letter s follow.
2h37
